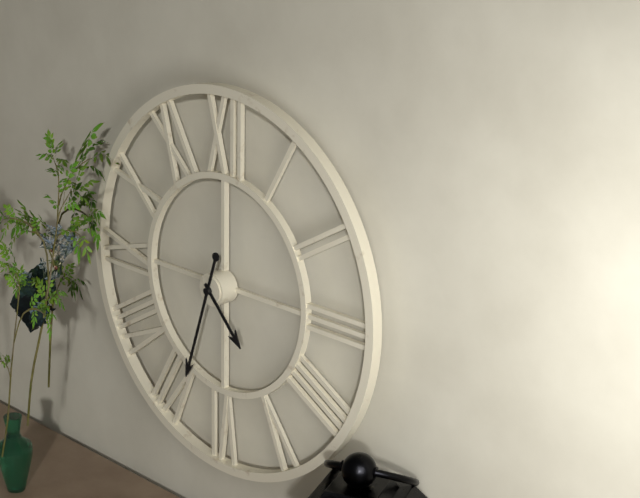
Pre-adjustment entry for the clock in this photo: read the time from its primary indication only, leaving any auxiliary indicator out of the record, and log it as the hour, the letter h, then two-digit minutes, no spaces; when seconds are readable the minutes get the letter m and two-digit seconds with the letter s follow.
4h33
